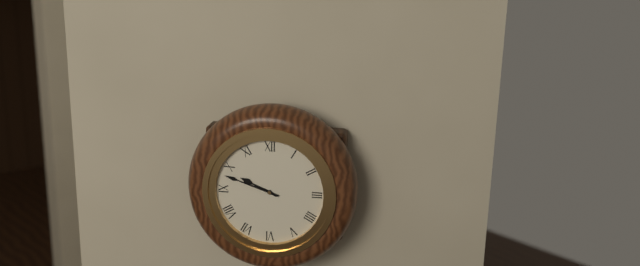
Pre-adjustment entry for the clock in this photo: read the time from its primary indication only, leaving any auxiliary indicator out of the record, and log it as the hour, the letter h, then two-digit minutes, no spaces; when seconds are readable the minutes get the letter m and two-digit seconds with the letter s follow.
9h48
